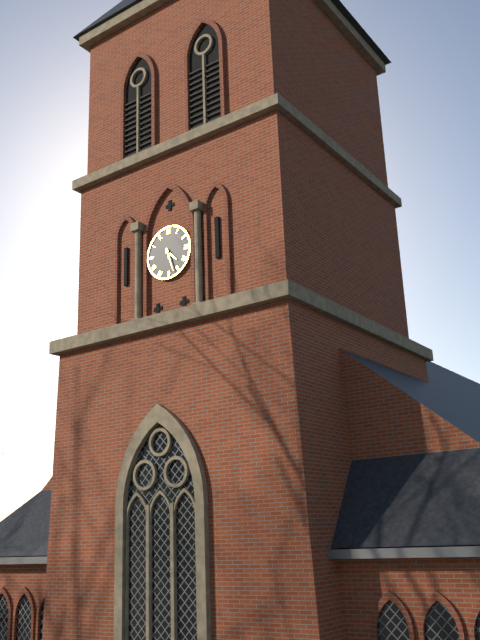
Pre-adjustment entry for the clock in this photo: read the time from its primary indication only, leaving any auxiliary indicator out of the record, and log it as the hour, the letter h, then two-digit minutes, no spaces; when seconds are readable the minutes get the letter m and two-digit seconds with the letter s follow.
4h27
